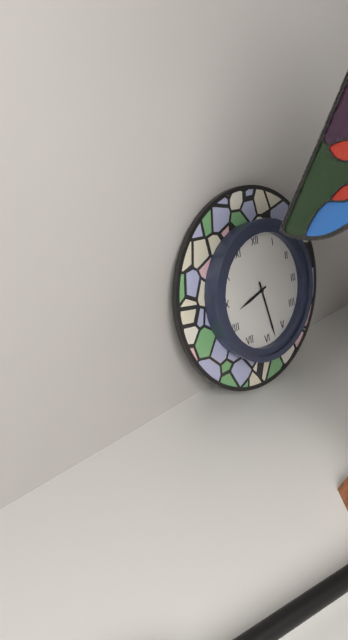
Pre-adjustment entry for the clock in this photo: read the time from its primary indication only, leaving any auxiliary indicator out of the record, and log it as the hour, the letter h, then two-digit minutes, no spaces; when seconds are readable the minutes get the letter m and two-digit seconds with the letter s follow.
8h28
